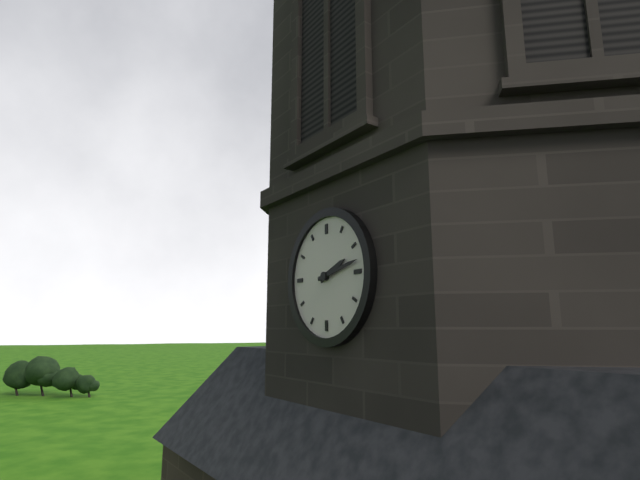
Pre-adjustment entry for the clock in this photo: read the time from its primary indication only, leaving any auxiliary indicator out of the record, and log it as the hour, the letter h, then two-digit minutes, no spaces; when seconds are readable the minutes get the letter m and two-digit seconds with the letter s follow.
2h13
